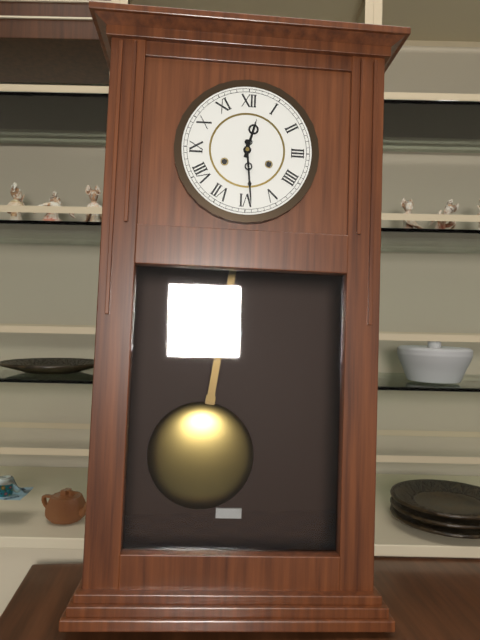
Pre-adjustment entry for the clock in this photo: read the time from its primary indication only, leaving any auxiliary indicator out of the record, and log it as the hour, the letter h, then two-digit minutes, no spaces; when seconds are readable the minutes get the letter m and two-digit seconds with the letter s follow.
12h29
